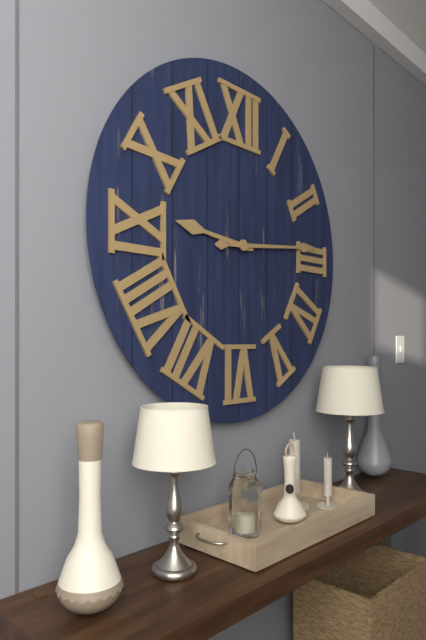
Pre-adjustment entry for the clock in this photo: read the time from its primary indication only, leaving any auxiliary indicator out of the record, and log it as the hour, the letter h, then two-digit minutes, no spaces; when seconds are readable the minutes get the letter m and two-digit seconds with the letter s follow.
9h14
